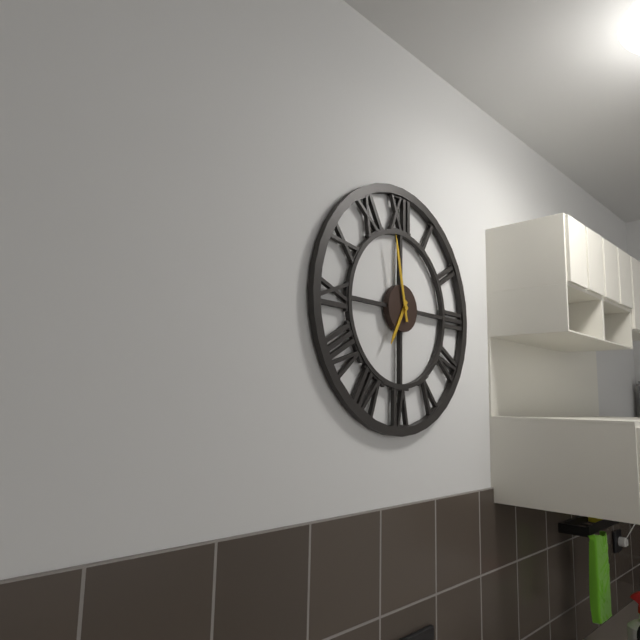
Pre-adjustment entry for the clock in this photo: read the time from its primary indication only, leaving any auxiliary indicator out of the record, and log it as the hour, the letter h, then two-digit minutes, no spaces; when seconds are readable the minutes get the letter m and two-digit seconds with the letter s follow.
6h58
